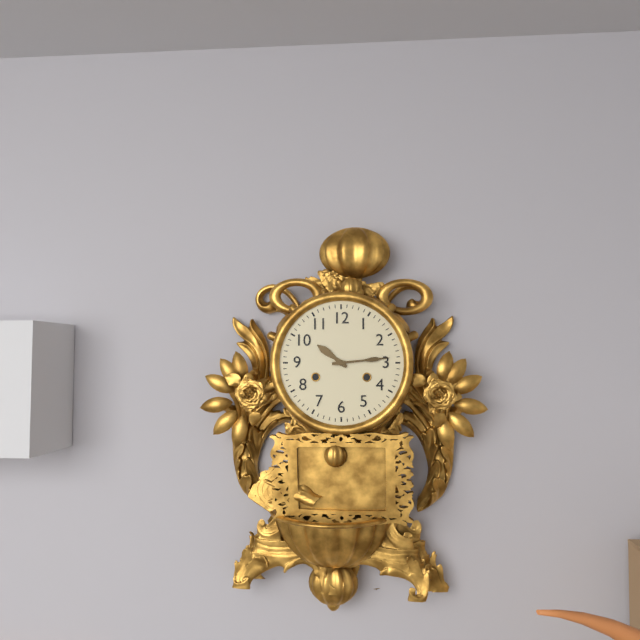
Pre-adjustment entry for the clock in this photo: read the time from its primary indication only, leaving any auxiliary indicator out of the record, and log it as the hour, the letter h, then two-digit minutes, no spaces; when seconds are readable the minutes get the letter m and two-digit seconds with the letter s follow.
10h14
